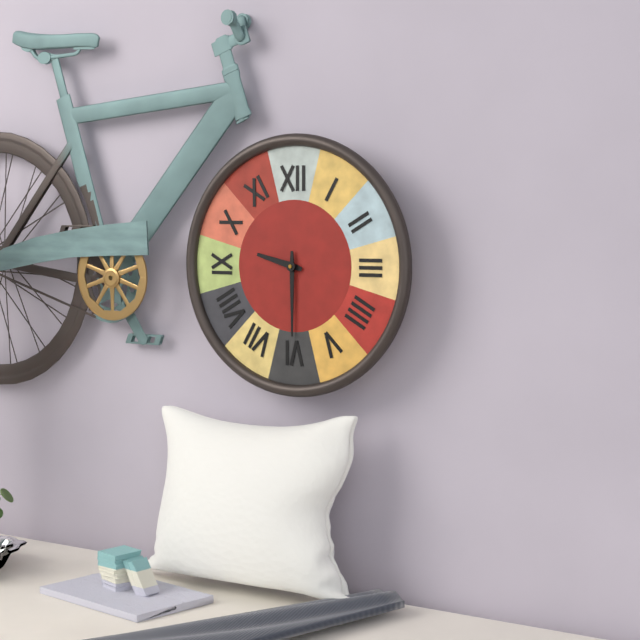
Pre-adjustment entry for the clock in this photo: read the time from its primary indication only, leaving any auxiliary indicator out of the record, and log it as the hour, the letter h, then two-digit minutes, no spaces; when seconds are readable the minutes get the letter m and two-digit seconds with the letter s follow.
9h30
